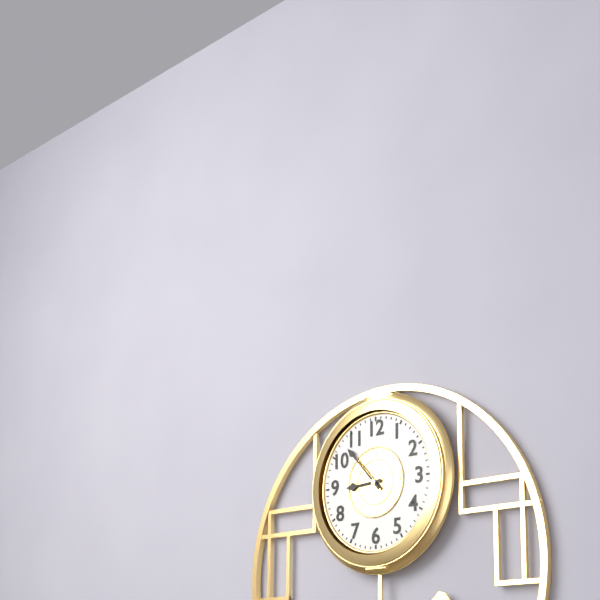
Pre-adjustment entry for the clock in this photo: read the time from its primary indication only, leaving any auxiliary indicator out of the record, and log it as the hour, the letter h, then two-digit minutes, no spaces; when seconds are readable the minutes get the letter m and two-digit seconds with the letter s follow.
8h53
